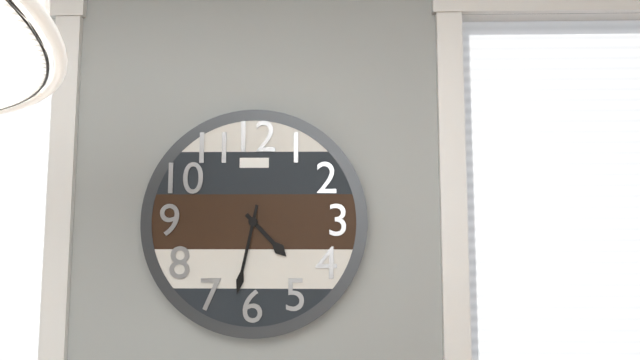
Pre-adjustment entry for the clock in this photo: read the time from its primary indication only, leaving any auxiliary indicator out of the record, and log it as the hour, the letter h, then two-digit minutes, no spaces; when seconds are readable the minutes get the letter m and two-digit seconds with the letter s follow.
4h32
